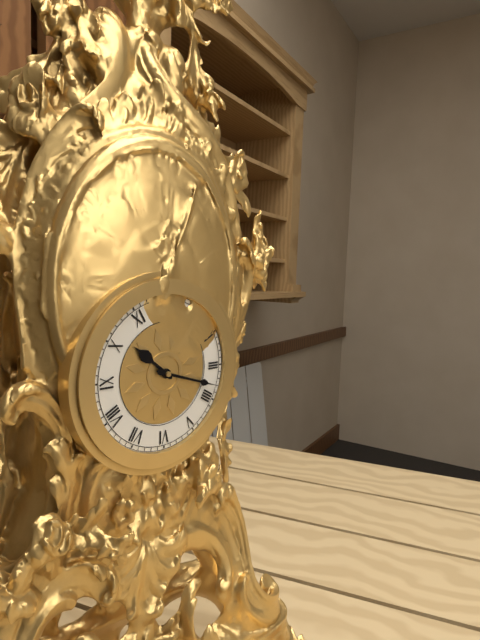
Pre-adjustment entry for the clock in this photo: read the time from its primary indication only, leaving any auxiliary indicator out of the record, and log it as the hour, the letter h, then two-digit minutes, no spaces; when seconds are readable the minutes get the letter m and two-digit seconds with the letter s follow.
10h18
